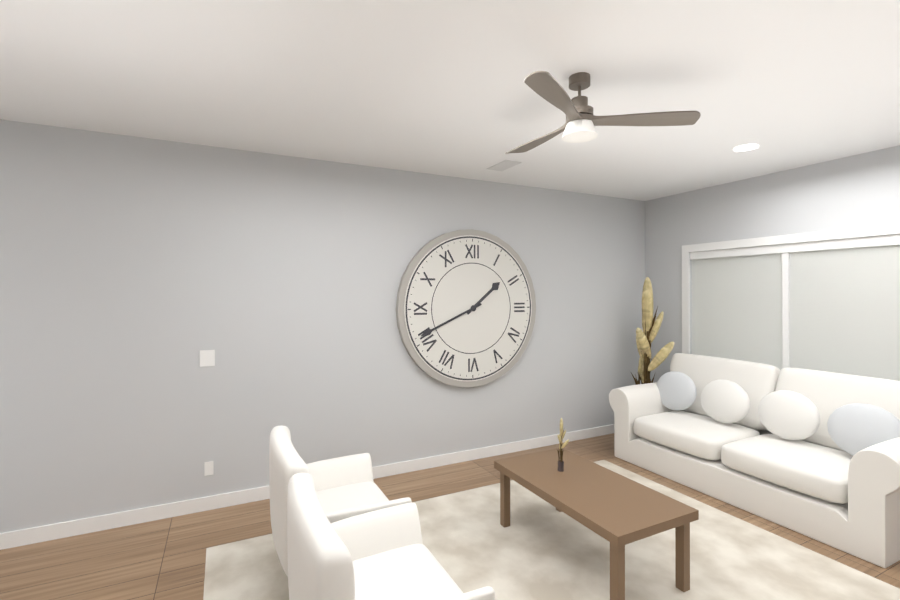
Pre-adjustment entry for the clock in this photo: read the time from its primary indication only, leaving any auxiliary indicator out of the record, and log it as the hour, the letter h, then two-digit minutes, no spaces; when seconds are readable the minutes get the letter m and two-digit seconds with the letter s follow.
1h41
